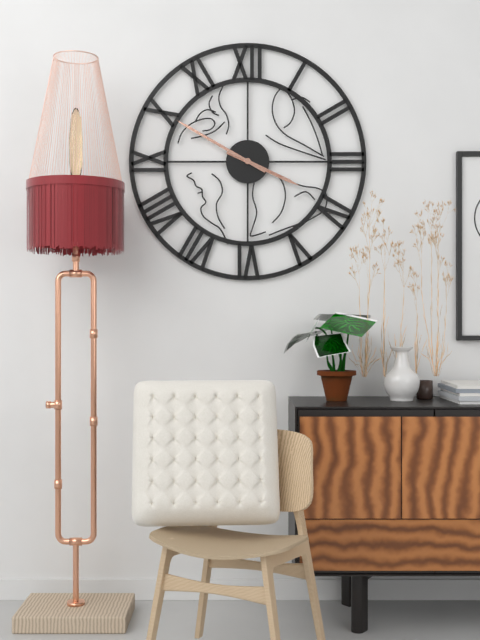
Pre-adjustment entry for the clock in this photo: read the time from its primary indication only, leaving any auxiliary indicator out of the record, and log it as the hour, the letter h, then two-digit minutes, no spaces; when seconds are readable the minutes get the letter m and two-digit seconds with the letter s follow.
3h50
